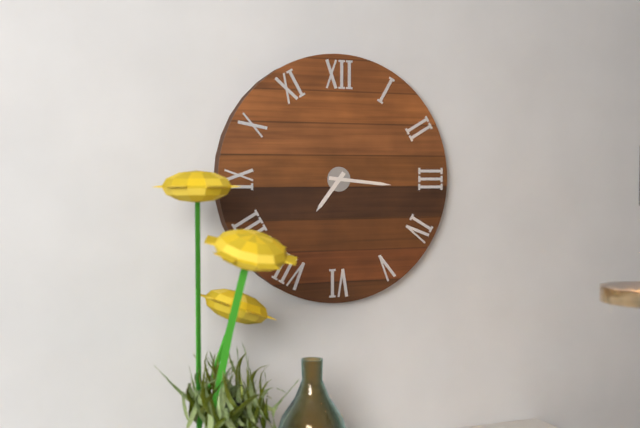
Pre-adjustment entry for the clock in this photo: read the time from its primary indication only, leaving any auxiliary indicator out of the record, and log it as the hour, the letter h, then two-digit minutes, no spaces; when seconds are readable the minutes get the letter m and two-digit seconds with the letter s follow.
7h16
